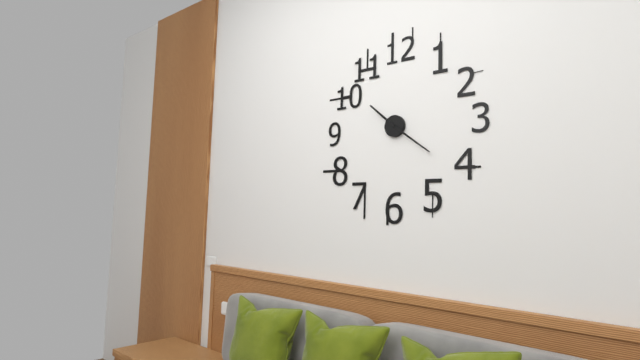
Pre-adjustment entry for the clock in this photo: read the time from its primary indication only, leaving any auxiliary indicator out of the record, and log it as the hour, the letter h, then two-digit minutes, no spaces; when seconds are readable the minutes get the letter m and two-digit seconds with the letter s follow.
10h21
